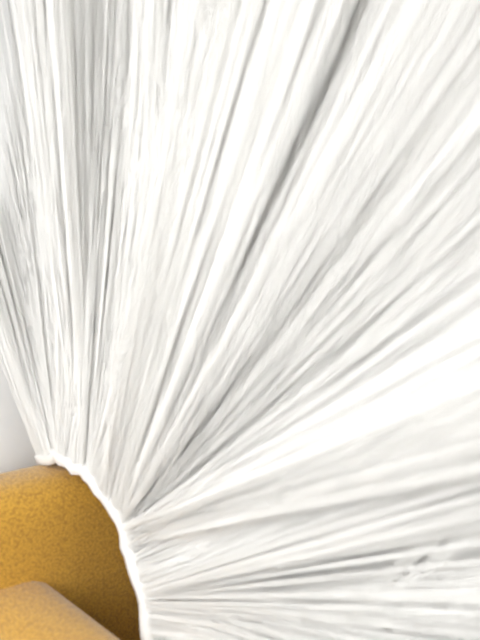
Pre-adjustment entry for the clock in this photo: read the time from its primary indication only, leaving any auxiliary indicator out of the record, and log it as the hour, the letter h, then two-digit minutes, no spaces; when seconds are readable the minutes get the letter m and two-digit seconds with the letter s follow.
2h57
